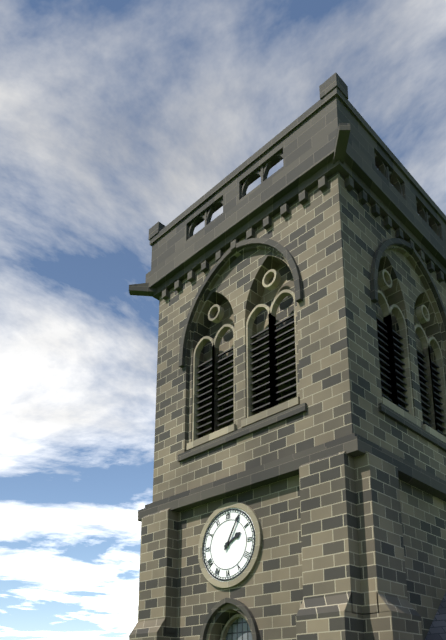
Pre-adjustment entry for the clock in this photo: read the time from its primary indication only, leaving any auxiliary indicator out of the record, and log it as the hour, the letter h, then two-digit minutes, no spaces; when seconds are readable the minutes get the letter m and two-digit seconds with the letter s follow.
2h05
